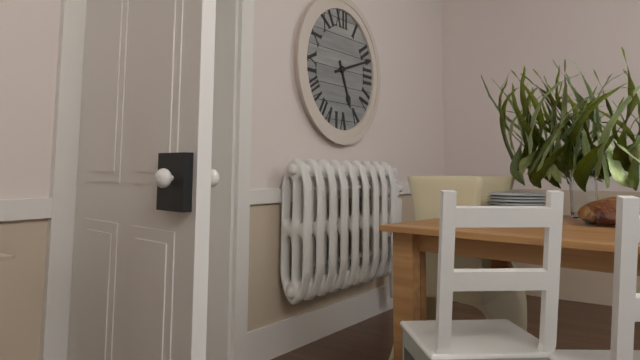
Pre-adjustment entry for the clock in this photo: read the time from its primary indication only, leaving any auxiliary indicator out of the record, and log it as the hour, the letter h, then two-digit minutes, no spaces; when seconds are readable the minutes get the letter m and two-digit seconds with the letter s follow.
5h12
